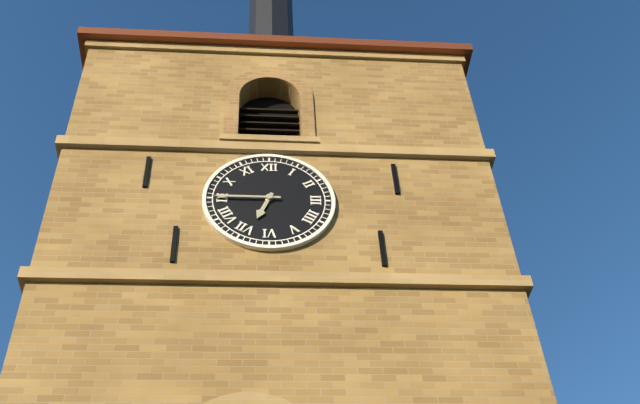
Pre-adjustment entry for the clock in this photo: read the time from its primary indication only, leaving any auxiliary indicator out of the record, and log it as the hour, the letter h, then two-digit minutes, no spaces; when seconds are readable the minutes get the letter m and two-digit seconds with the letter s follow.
6h45
